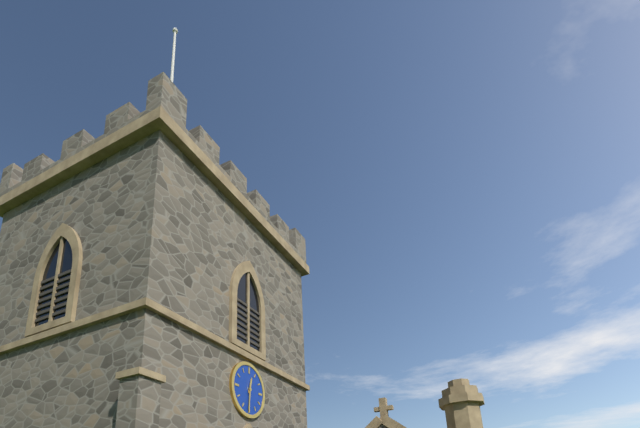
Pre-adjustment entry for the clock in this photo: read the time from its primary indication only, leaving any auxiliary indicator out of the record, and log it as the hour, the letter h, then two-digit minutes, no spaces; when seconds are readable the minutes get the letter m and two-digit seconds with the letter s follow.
12h31
